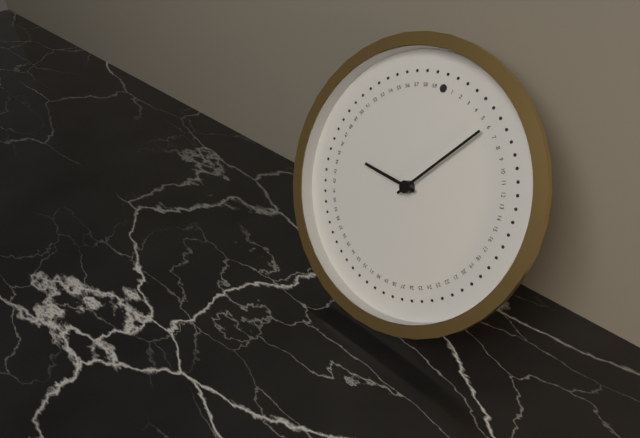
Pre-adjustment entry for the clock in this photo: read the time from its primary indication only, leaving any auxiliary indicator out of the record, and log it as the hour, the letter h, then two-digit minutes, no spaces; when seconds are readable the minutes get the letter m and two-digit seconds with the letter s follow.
9h06
